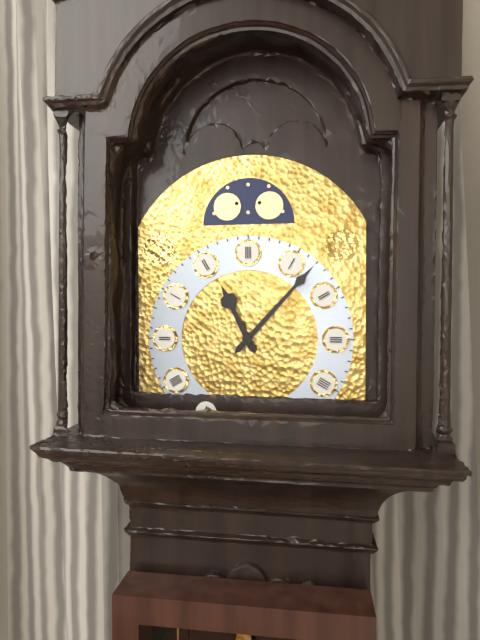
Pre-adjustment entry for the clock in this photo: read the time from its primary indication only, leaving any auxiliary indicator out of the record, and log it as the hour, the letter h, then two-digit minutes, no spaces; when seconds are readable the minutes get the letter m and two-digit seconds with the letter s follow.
11h07
